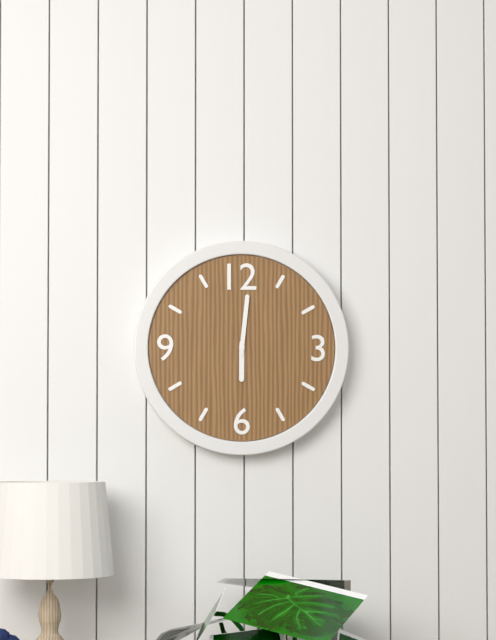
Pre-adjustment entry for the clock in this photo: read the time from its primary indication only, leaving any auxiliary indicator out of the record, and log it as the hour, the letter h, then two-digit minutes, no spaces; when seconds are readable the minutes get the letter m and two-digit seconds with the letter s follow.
6h01
